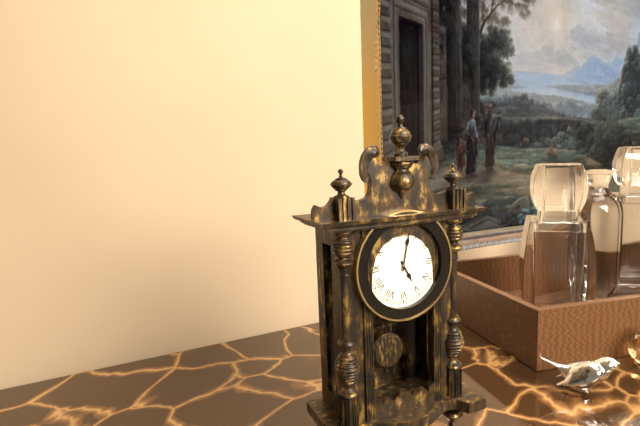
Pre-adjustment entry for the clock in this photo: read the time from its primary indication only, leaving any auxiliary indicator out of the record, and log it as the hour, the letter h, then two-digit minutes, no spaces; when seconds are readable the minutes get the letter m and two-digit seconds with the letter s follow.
5h02
